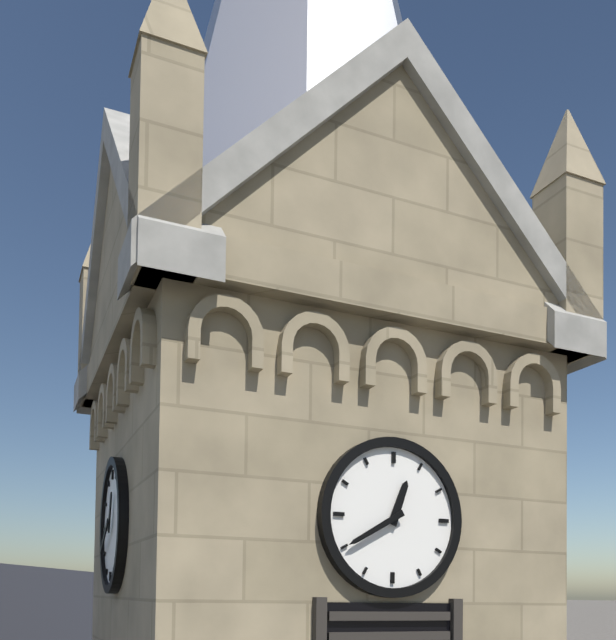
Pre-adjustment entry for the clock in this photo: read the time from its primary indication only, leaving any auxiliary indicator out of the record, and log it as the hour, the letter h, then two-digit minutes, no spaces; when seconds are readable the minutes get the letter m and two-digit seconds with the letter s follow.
12h40
